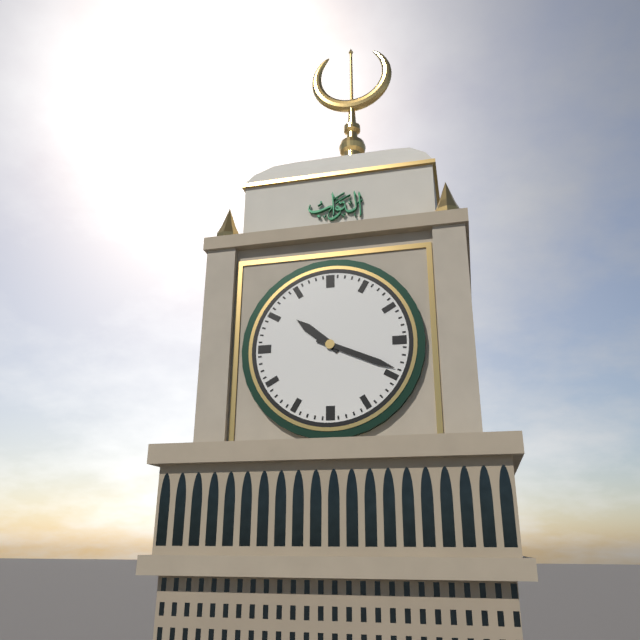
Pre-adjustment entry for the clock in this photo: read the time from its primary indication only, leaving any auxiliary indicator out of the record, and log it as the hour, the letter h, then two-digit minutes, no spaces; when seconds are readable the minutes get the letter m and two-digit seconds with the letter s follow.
10h19
